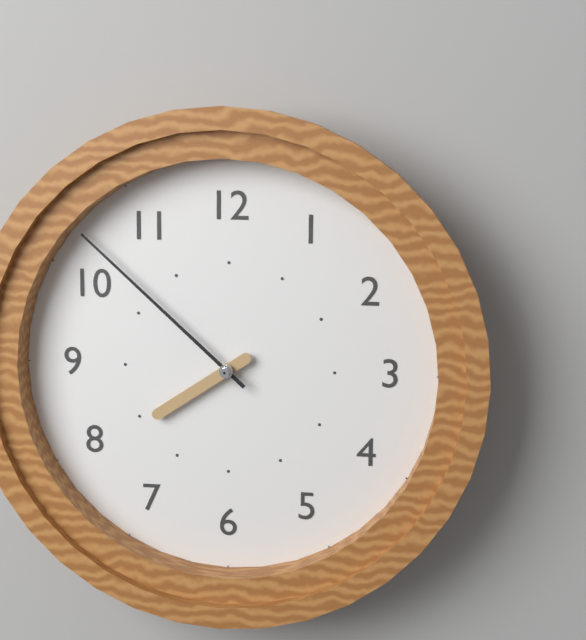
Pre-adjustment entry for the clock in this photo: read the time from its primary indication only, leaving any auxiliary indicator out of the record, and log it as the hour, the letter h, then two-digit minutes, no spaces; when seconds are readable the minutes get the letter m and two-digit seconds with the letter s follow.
7h52
